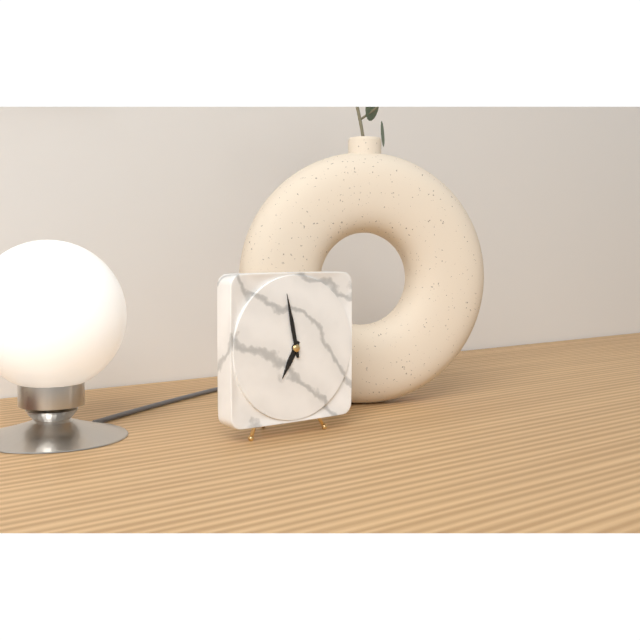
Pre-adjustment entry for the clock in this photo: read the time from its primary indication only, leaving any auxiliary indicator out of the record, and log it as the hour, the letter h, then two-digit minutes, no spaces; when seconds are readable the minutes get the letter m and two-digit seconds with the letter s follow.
6h58
